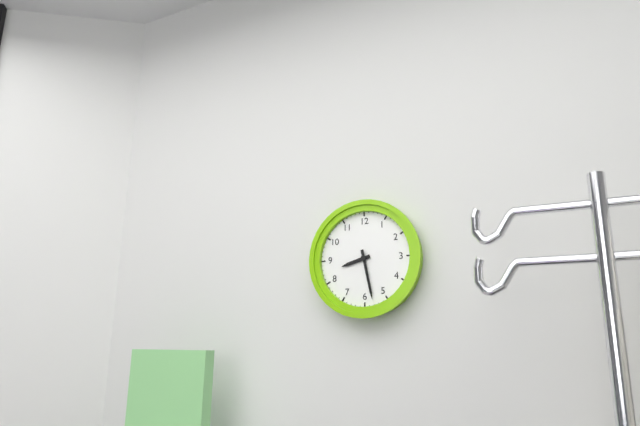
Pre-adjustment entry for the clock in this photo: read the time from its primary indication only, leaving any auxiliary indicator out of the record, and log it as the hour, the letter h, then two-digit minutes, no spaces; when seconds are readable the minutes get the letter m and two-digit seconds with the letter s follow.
8h28
